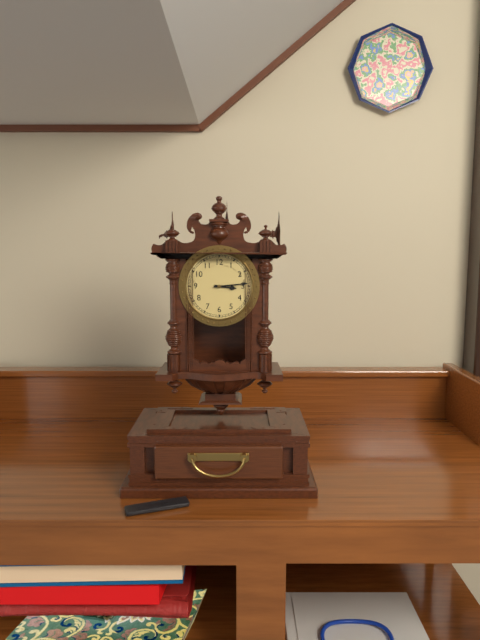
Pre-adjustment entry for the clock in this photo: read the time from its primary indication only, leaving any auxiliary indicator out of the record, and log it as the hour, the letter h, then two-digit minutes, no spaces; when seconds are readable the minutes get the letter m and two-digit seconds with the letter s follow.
3h14
